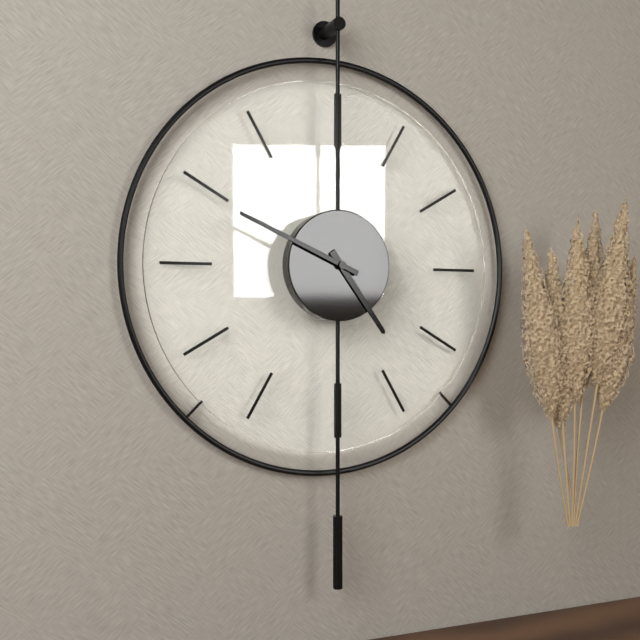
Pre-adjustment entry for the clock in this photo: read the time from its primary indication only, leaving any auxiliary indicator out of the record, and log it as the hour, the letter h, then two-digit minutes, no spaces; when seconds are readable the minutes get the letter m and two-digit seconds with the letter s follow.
4h49
